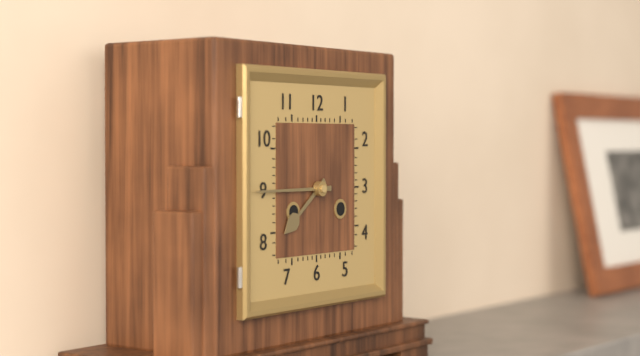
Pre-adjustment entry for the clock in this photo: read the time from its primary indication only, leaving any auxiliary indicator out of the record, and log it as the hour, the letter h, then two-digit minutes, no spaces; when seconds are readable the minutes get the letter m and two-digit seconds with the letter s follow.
7h45
